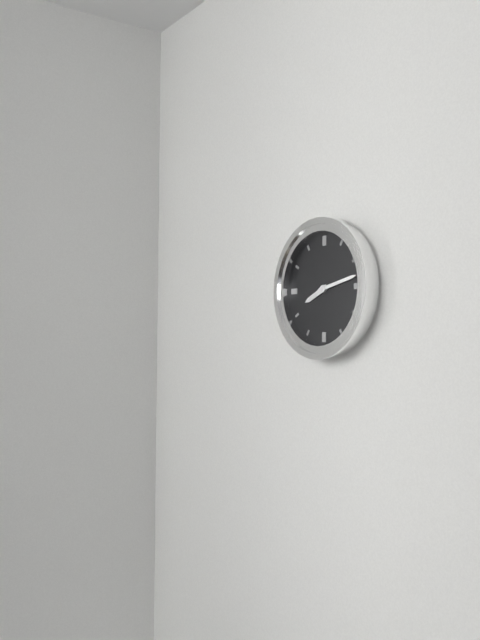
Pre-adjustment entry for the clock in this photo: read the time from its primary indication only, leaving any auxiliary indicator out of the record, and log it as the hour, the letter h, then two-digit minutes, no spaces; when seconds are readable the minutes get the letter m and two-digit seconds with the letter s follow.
8h13
